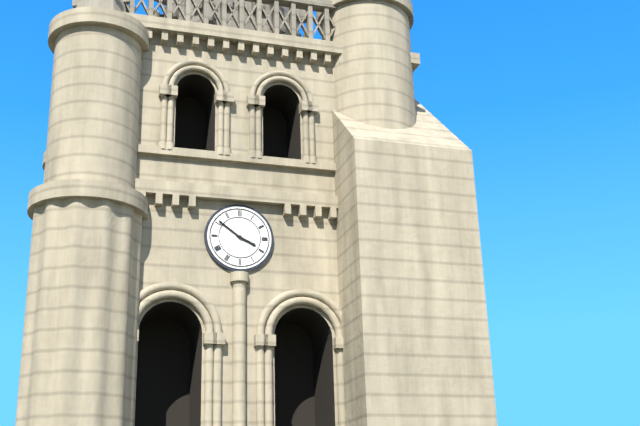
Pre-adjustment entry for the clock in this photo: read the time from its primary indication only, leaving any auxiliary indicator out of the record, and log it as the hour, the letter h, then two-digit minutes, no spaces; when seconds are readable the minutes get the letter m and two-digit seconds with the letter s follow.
3h51
